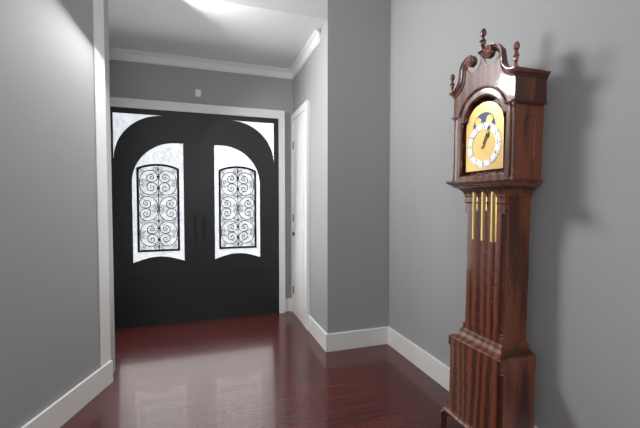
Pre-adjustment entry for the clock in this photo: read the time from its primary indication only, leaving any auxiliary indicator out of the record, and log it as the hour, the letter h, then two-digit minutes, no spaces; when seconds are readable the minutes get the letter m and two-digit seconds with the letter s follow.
1h04
